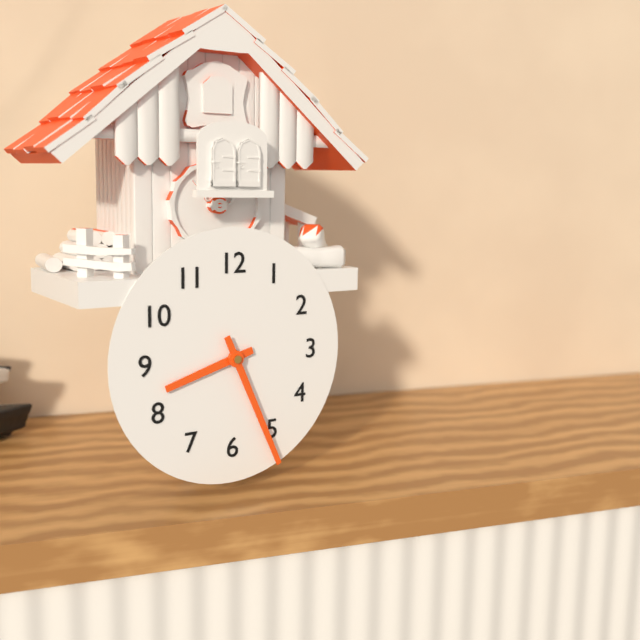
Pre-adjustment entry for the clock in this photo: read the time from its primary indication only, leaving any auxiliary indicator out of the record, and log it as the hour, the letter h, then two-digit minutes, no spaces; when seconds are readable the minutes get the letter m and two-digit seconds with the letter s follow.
8h26
